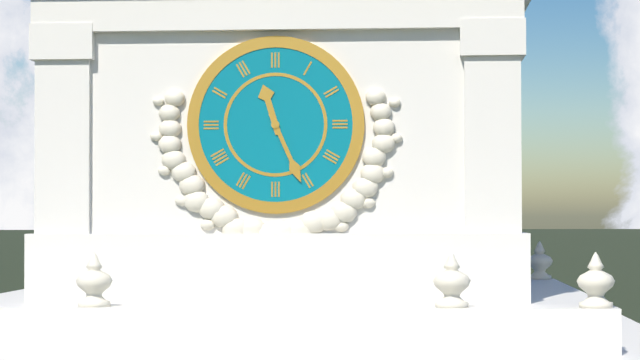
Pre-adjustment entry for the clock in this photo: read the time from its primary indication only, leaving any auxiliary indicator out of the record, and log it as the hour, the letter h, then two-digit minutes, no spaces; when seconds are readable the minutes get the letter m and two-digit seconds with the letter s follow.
11h26
